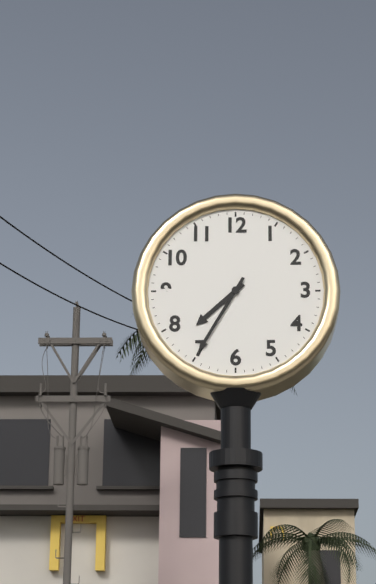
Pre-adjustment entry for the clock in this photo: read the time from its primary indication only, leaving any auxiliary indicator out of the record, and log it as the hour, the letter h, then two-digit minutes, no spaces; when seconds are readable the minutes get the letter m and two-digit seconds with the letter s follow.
7h35
